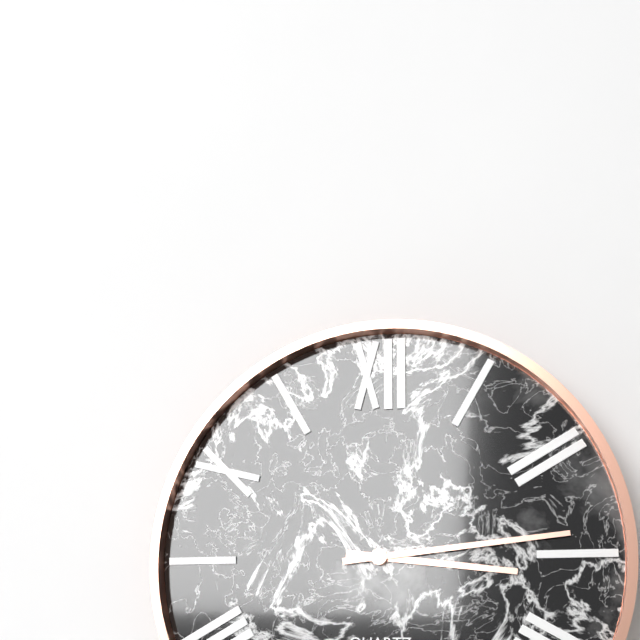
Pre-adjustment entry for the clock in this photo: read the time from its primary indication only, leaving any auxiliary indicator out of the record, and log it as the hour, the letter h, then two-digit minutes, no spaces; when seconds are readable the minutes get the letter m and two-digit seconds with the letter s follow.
3h14
